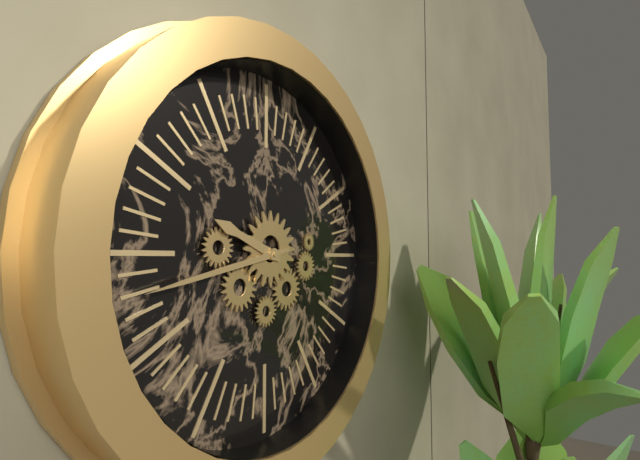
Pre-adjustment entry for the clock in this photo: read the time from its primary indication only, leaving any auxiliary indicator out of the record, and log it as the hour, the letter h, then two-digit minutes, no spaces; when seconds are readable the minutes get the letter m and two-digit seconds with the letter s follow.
9h43
